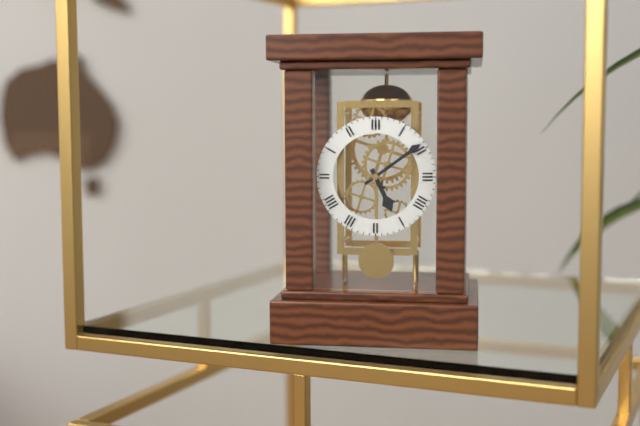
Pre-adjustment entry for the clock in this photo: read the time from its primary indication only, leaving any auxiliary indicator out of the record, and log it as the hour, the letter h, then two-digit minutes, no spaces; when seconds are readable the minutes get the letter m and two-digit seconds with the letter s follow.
5h09
